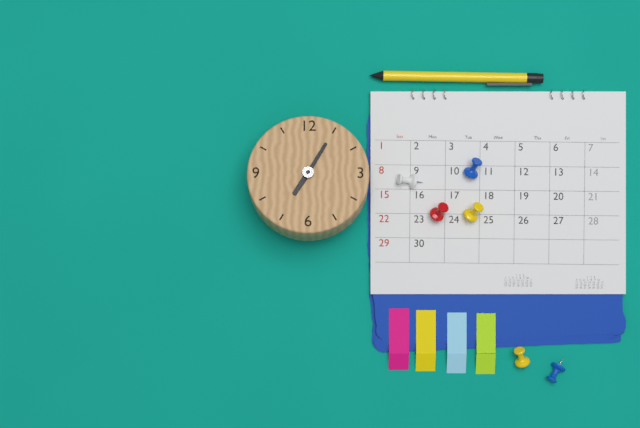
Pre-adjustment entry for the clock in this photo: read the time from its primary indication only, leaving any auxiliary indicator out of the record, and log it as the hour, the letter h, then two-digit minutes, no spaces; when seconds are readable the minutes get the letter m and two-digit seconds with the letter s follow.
7h05
